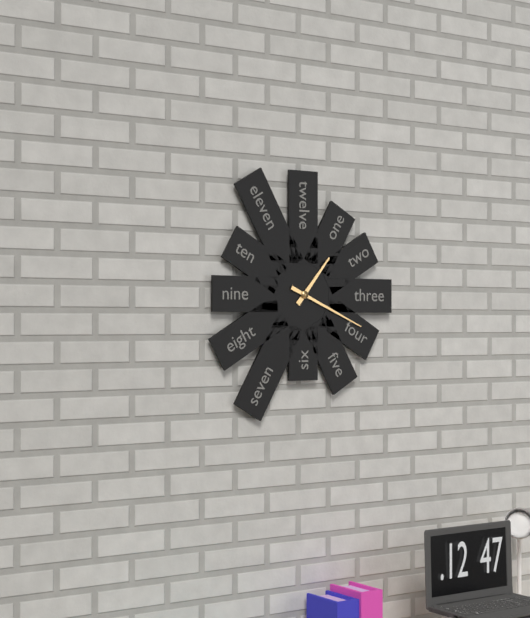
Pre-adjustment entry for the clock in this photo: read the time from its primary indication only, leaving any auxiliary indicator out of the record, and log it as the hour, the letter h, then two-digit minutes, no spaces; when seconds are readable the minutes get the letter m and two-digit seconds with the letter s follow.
1h19
